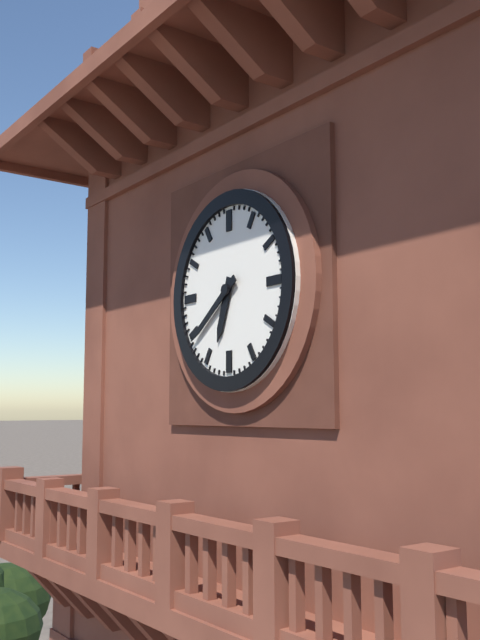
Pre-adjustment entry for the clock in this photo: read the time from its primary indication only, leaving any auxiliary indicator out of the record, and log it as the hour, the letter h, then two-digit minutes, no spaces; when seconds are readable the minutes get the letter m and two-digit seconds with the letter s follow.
6h39
